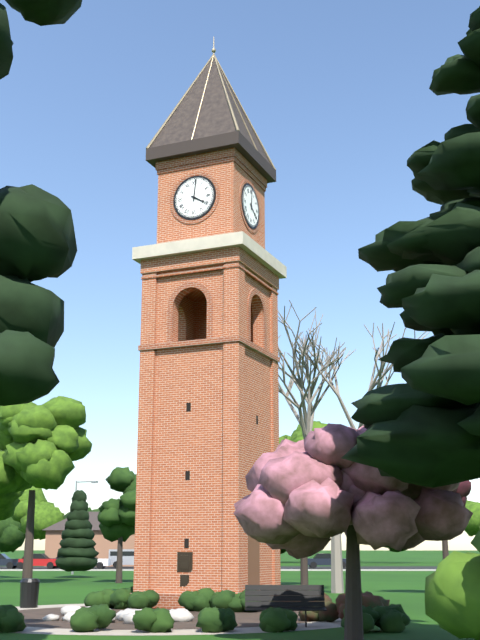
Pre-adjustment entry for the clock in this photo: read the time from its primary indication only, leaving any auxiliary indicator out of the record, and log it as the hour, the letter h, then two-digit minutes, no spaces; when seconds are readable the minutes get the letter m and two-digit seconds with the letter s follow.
4h01
